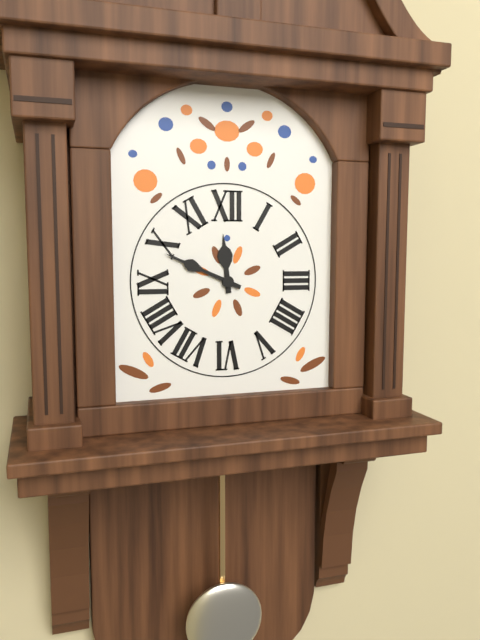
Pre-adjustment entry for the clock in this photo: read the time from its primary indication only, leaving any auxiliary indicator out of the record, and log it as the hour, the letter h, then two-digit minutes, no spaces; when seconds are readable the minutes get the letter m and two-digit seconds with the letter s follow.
11h49
